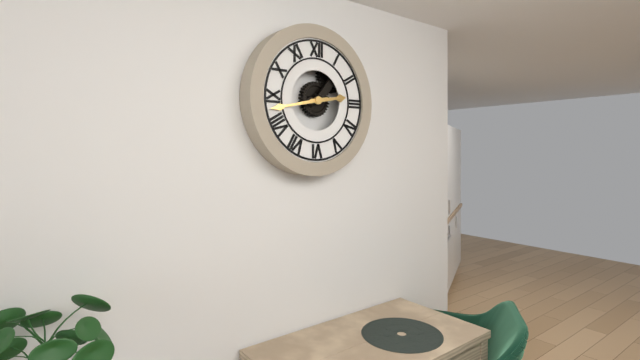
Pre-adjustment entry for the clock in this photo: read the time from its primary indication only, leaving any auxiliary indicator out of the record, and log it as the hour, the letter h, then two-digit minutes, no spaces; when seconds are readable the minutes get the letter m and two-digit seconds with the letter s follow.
2h43
